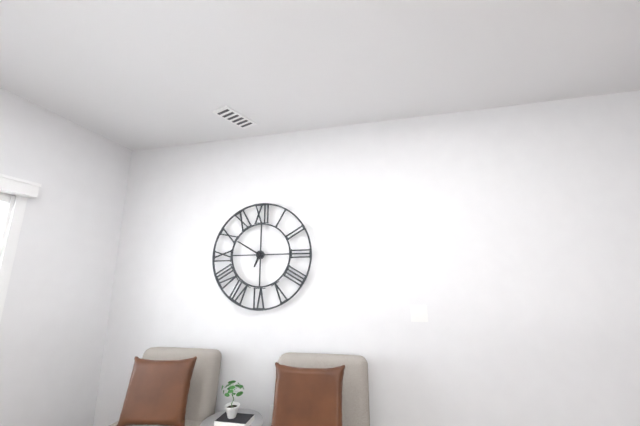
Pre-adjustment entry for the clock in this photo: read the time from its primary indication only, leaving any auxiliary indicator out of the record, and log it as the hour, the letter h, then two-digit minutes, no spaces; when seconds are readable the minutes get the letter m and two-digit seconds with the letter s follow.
6h50
